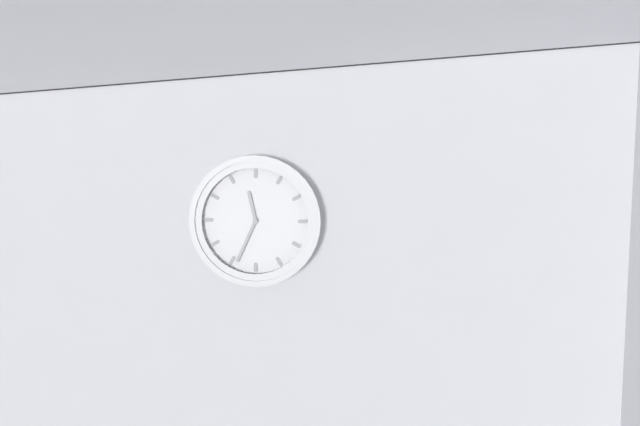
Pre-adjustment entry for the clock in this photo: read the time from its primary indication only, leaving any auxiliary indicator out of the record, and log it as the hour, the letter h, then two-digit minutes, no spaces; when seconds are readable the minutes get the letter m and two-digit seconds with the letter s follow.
11h34
